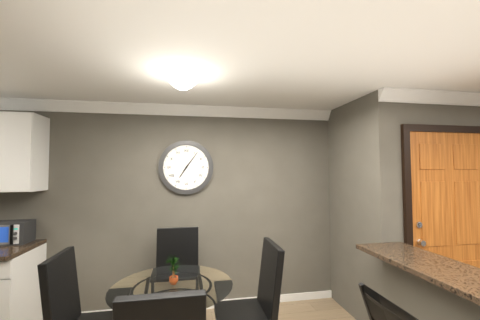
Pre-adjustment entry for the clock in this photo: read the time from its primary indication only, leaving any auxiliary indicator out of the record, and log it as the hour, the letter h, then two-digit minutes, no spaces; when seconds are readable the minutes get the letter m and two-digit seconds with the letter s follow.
7h06
